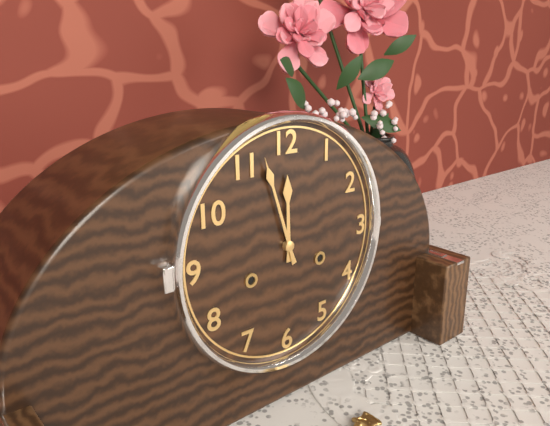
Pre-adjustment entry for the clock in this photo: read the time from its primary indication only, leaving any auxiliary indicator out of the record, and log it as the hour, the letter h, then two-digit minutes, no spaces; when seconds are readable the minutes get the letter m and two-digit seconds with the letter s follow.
11h57
